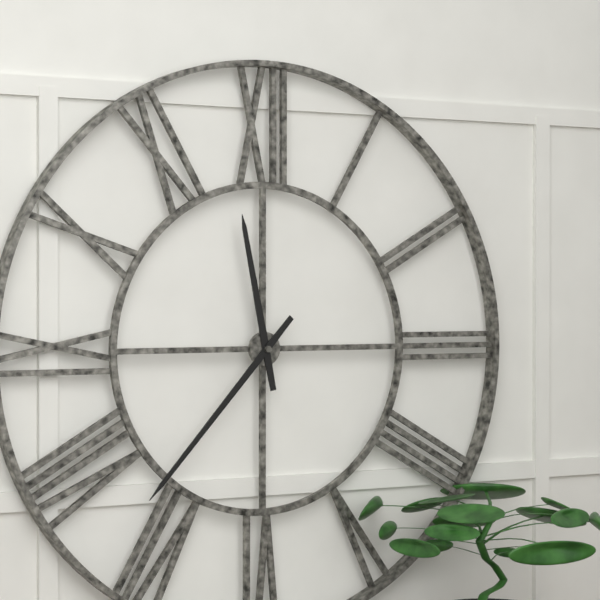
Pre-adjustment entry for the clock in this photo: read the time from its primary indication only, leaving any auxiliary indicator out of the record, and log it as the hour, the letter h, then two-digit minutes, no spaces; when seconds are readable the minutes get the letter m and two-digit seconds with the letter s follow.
11h37
